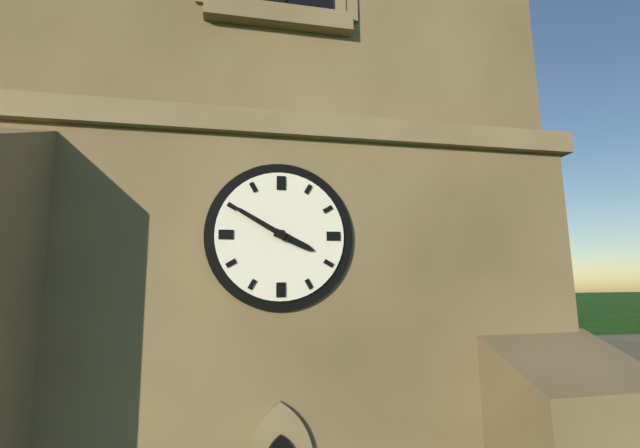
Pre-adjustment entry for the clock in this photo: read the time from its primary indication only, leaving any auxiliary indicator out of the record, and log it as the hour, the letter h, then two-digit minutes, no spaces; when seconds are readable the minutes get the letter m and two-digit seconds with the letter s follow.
3h50
